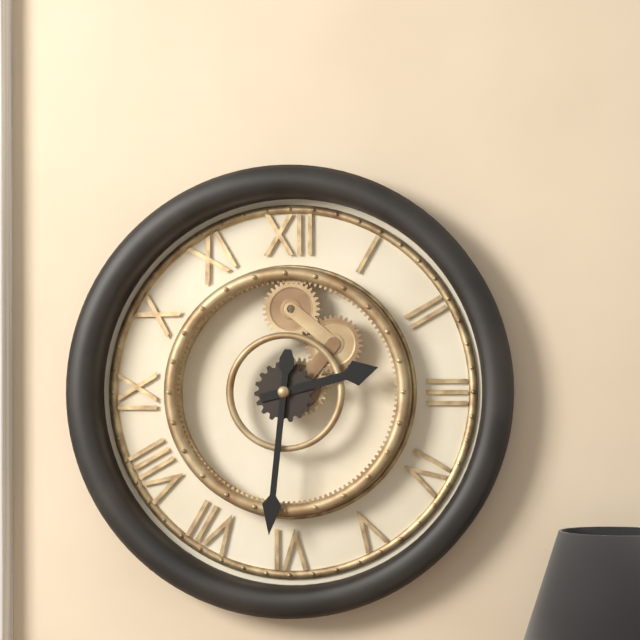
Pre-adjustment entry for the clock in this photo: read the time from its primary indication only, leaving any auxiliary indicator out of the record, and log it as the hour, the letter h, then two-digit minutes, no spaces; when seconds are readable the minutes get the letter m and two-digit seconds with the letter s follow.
2h31
